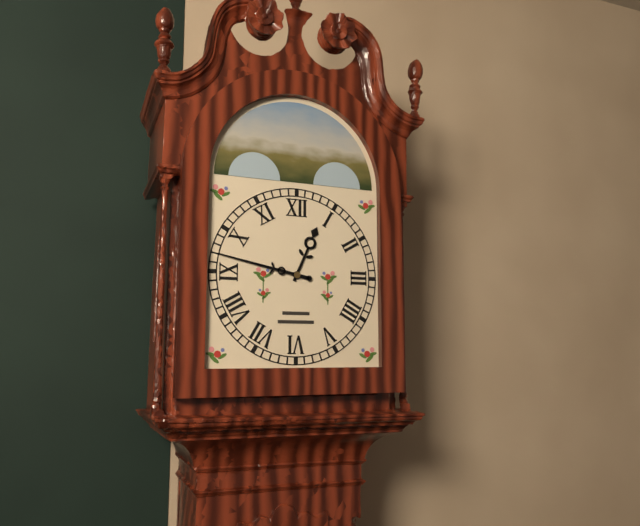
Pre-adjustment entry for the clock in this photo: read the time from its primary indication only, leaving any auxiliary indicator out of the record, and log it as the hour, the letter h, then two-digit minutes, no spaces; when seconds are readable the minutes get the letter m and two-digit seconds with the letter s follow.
12h47
